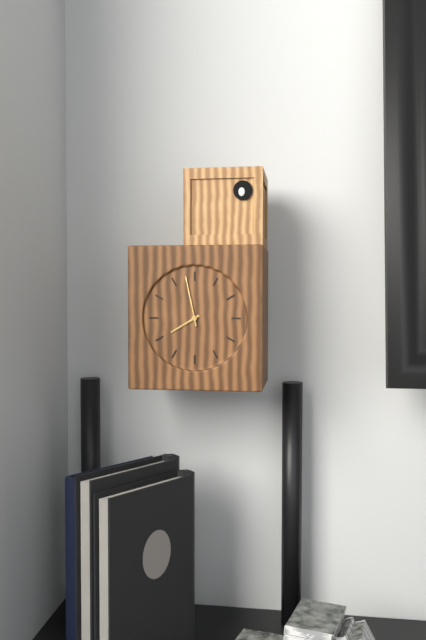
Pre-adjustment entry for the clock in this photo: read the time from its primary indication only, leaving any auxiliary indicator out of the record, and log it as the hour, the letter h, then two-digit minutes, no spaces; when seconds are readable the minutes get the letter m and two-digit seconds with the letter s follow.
7h58
